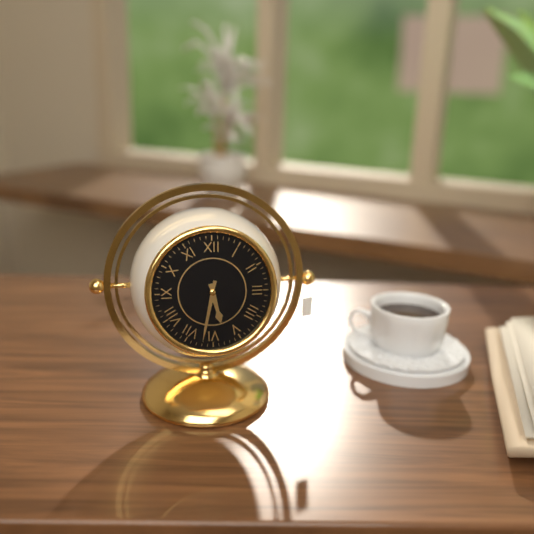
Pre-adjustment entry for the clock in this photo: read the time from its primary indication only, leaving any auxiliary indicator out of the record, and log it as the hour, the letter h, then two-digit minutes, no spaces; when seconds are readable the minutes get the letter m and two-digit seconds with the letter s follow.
5h32
